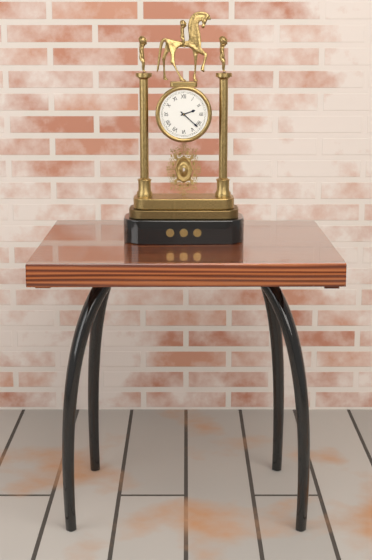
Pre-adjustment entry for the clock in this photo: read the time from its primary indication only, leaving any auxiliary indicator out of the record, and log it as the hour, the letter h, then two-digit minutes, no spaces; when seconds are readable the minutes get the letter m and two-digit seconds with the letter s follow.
2h22
